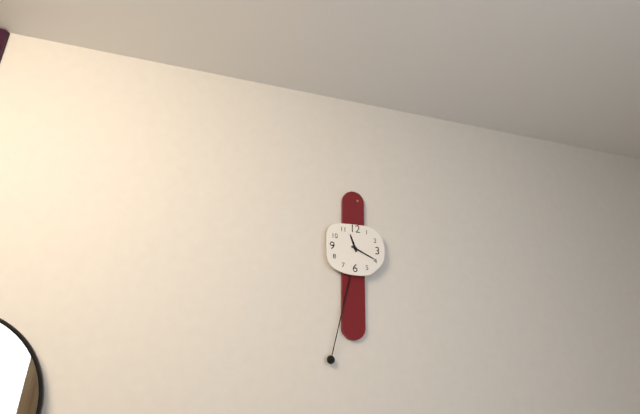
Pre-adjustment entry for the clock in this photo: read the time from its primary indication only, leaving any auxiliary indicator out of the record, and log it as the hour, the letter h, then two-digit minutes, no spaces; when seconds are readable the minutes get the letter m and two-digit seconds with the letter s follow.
11h19
